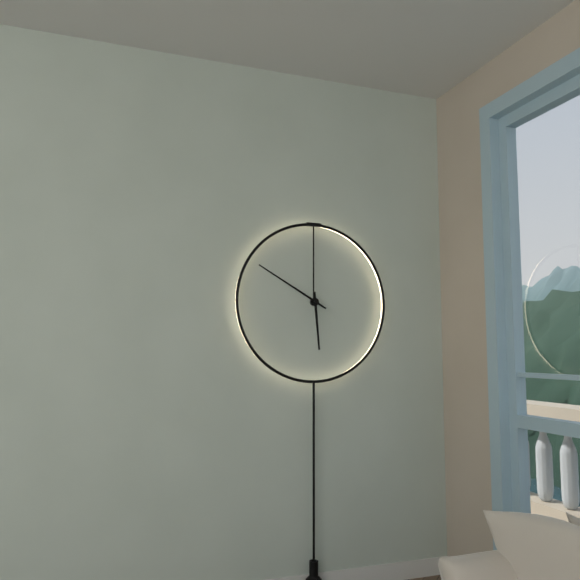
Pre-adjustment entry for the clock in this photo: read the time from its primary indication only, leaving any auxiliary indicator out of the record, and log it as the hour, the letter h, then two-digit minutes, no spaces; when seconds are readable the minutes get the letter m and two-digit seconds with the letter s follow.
5h50
